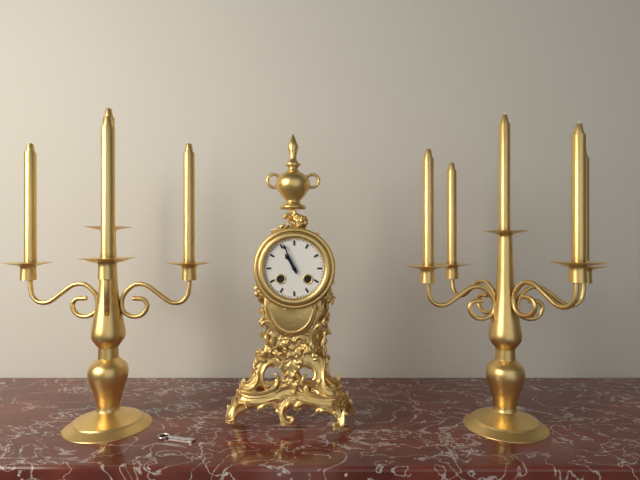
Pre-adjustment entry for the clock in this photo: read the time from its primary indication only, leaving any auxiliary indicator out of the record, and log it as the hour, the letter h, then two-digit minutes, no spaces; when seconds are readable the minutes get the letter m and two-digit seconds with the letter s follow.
10h56
